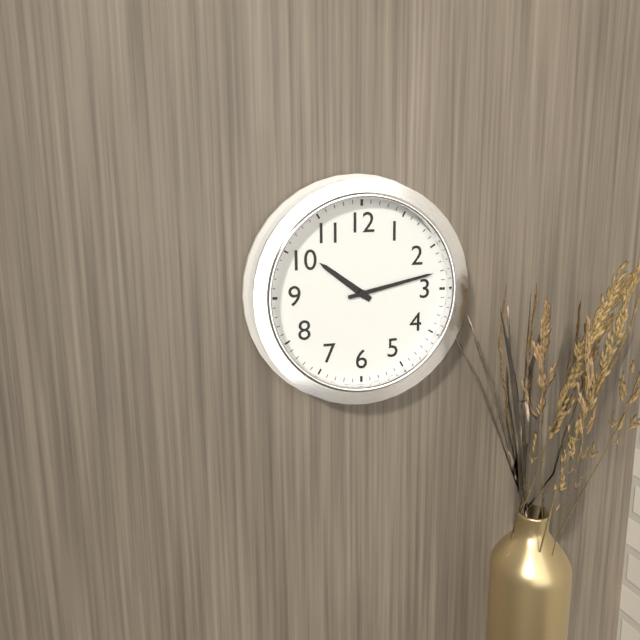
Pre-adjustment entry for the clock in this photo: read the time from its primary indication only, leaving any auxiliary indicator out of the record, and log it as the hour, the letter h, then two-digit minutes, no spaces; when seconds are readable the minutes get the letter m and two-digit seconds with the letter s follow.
10h13
